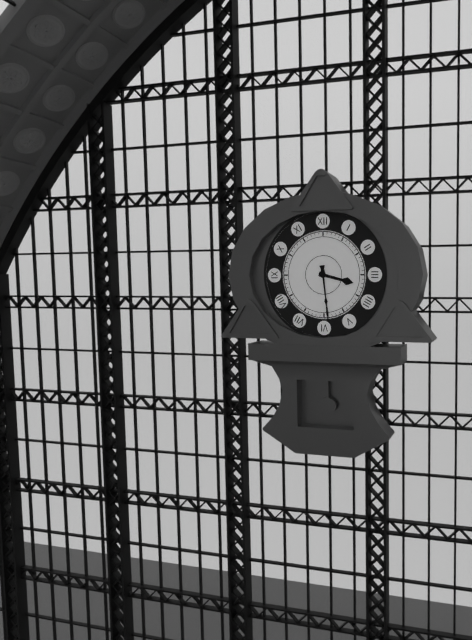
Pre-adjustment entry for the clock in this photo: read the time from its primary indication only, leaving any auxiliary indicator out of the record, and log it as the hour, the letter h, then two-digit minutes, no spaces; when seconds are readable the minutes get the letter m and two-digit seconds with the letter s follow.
3h29
